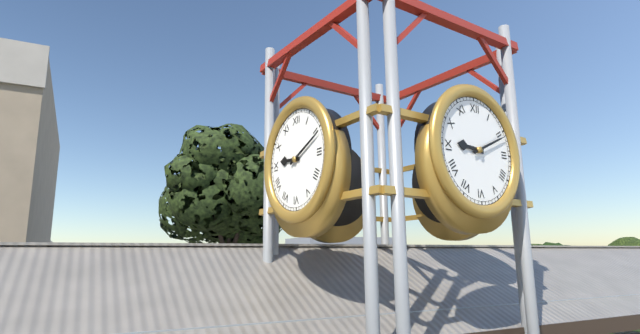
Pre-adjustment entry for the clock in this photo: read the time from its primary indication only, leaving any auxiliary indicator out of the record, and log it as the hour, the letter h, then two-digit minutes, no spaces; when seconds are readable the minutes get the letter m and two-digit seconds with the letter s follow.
9h11
